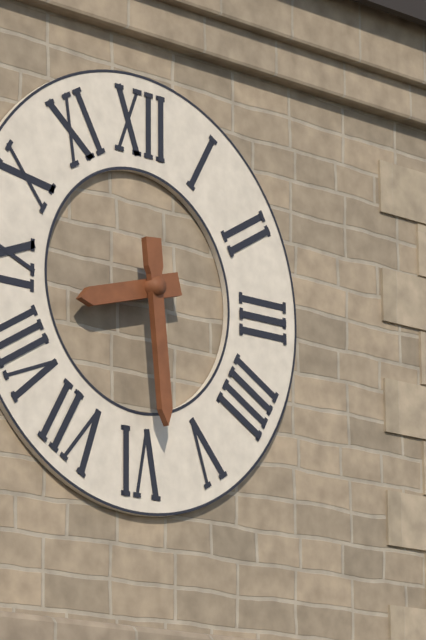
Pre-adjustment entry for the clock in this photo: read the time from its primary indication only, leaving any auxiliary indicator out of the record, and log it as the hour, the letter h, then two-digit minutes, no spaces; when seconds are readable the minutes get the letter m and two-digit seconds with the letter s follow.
8h29
